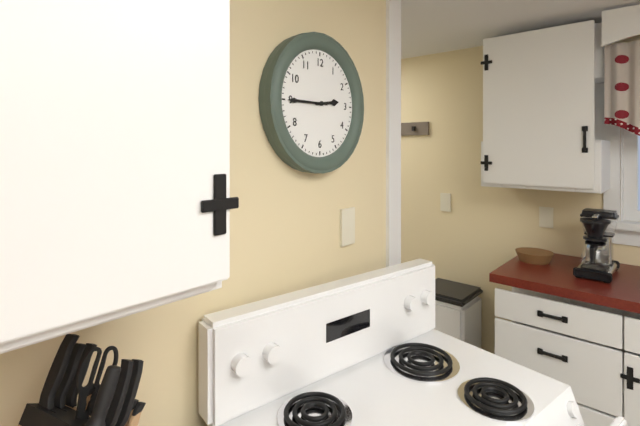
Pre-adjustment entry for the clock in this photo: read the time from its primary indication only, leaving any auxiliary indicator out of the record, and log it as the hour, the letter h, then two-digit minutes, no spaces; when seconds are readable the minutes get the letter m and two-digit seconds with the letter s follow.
2h45
